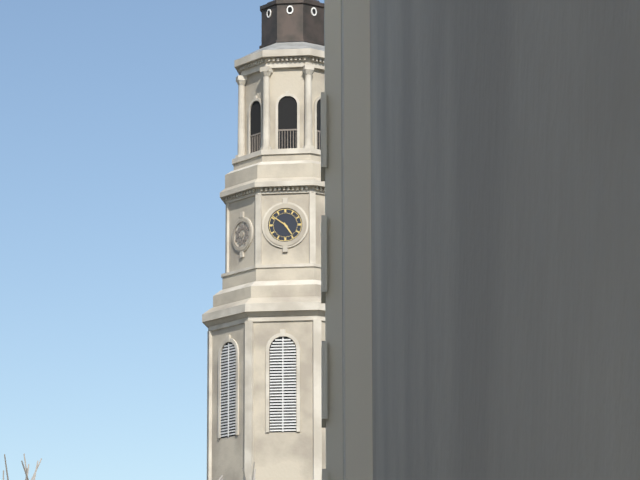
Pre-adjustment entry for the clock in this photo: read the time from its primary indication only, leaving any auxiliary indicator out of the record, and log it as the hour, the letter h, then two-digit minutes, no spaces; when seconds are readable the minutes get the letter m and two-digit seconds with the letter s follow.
4h51
